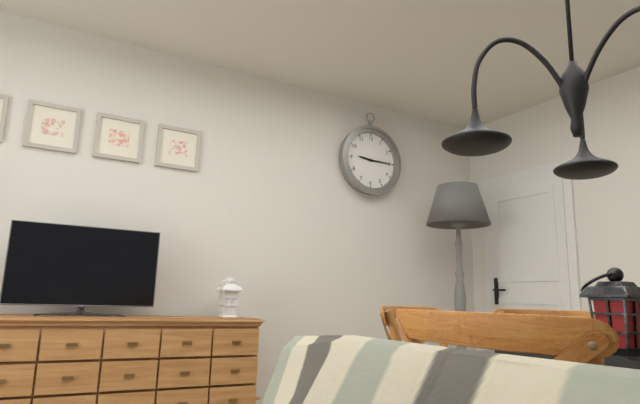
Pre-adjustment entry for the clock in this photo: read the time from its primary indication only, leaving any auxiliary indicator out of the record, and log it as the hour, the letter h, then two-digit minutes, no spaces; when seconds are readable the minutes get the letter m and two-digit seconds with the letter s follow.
9h15
